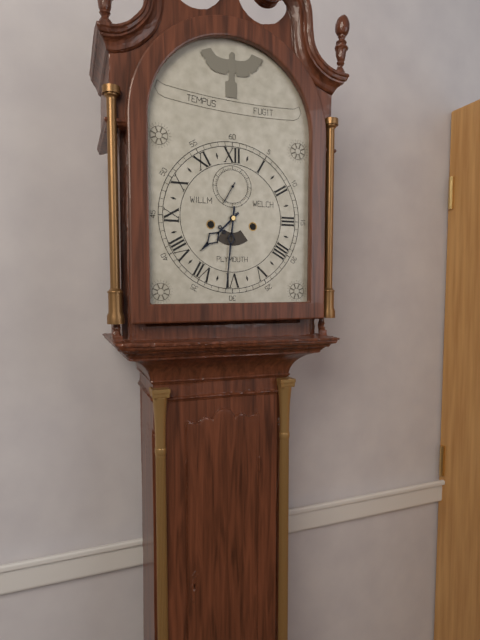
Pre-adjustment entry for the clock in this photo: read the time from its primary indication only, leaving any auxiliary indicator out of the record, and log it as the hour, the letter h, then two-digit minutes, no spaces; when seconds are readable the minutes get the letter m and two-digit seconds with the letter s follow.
7h31
